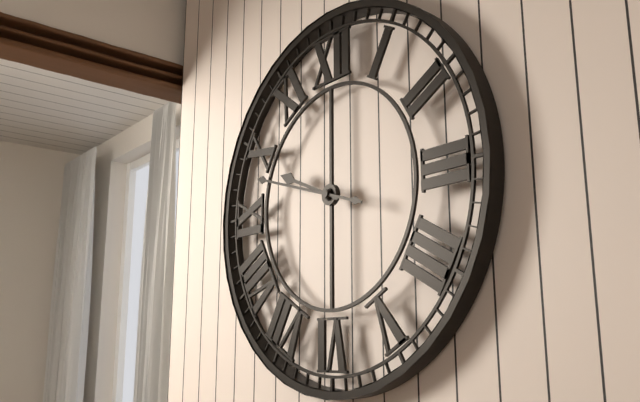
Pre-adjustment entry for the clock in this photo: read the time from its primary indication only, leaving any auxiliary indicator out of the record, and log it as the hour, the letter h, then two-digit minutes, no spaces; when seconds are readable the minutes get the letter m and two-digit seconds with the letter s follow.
9h48
